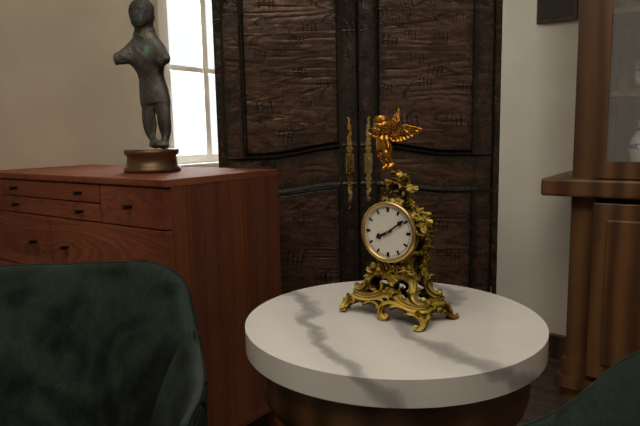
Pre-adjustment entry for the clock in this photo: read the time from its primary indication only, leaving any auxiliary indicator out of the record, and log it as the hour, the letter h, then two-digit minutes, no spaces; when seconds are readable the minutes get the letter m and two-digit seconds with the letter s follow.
8h09
